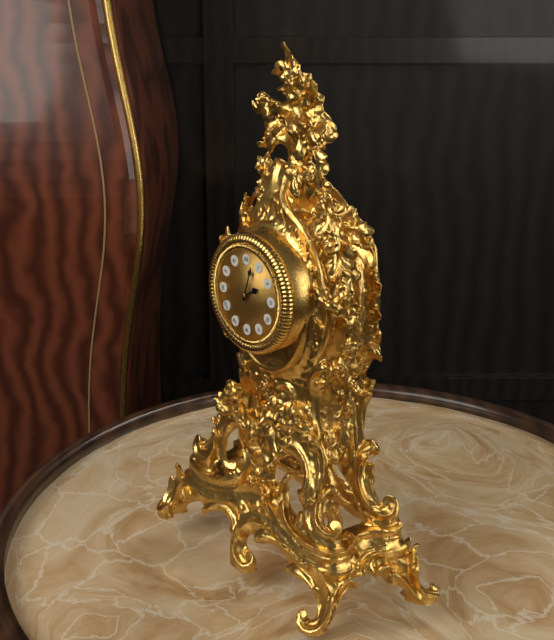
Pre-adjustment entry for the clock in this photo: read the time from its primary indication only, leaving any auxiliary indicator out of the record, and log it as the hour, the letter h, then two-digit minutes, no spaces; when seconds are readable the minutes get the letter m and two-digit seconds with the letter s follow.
2h03
